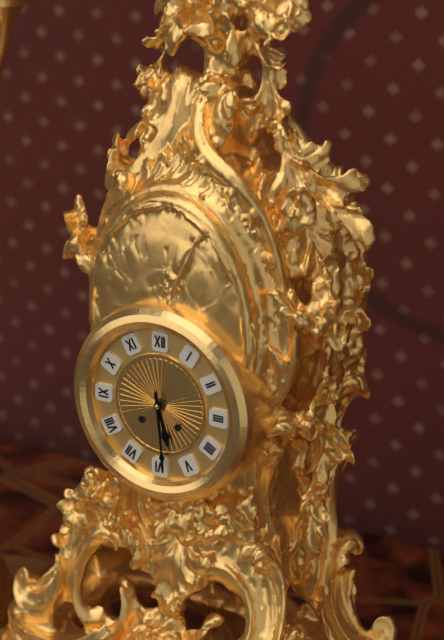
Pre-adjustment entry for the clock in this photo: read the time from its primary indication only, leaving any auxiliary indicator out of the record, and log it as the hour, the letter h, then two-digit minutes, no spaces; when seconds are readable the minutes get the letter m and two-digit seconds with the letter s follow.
5h29
